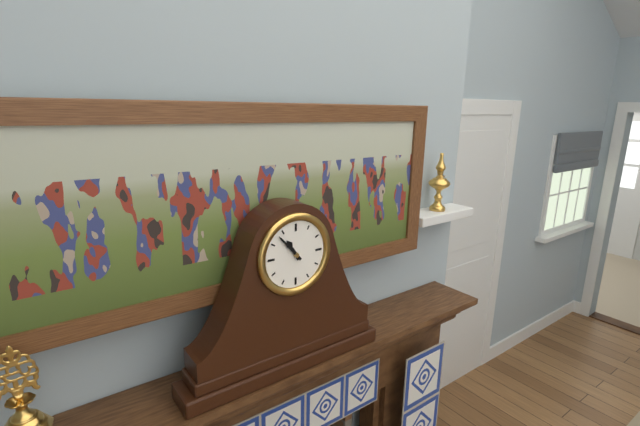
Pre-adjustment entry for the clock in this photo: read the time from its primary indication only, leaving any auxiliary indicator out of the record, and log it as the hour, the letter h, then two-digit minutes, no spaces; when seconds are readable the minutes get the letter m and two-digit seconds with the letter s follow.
10h53
